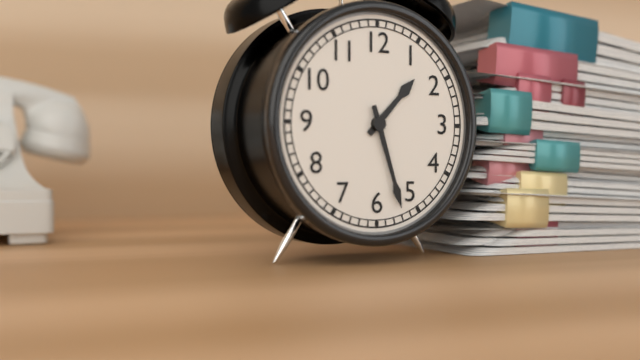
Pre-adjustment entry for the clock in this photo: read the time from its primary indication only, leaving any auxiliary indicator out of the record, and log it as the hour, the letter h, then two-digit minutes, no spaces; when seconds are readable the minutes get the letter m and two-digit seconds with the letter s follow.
1h27
